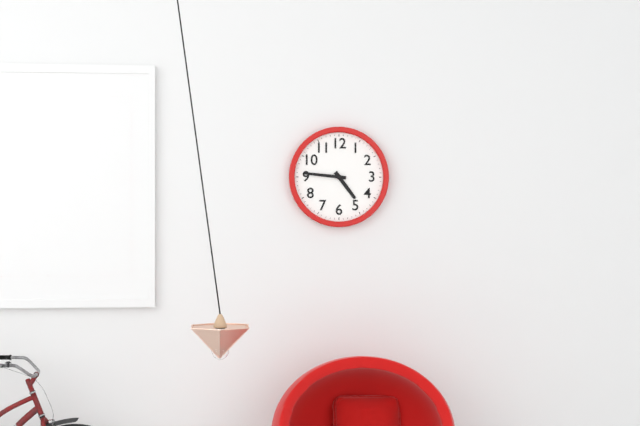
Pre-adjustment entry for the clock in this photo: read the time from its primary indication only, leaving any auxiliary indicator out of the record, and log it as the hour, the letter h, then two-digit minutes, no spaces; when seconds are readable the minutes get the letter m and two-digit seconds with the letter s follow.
4h46
